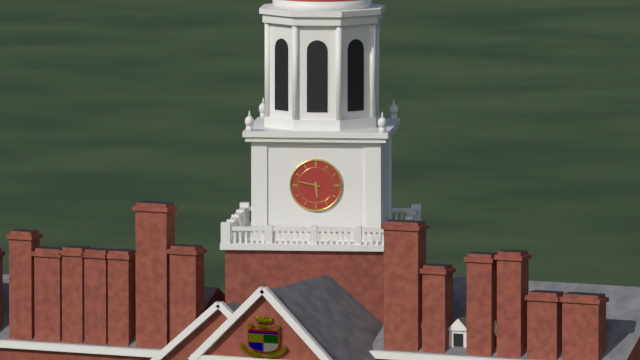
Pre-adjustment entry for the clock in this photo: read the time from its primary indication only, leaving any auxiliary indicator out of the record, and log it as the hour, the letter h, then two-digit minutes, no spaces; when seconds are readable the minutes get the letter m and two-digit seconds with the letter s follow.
5h47
